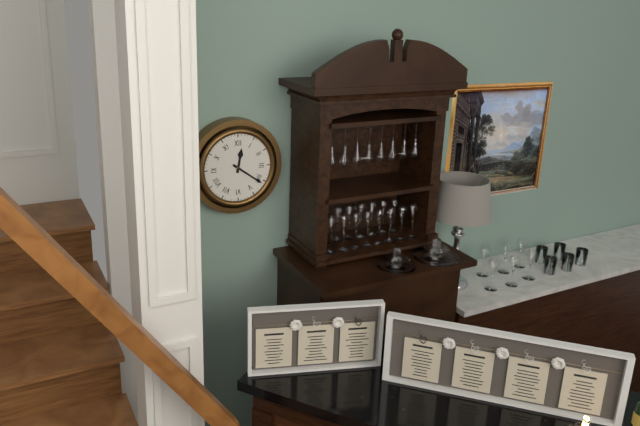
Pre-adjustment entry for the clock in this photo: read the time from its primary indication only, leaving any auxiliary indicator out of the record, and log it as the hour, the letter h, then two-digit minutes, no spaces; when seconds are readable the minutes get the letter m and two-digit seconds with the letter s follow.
12h21
